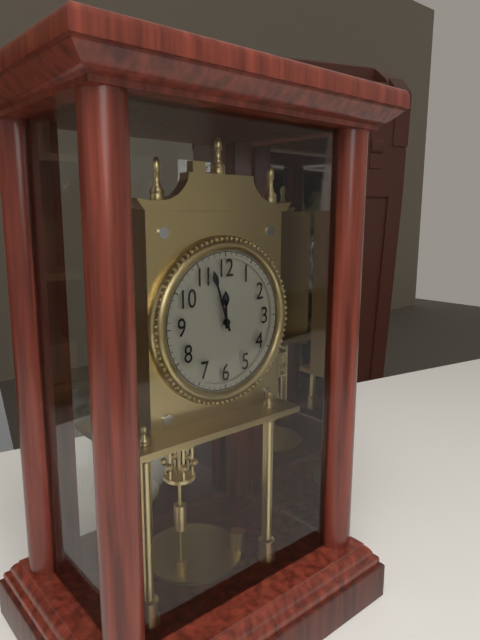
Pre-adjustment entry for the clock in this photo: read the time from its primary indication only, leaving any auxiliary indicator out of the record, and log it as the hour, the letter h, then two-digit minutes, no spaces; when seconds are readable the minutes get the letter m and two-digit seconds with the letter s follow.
11h57
